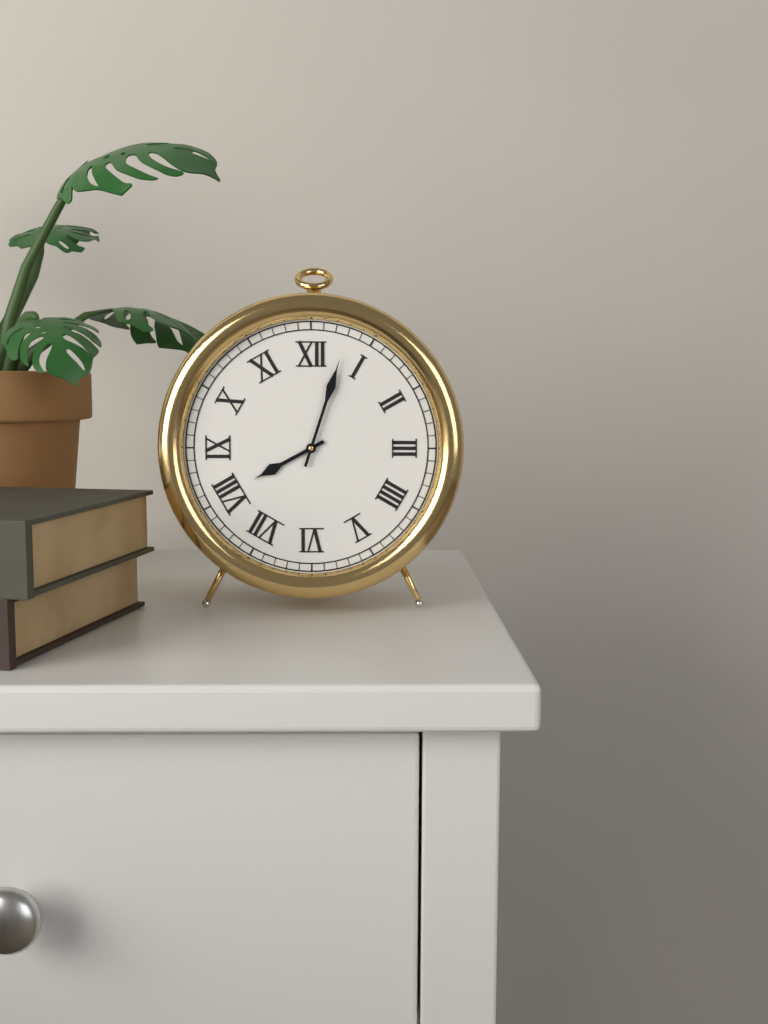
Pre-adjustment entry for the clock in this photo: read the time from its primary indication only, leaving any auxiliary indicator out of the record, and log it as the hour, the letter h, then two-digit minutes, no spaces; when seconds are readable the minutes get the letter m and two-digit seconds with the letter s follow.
8h03
